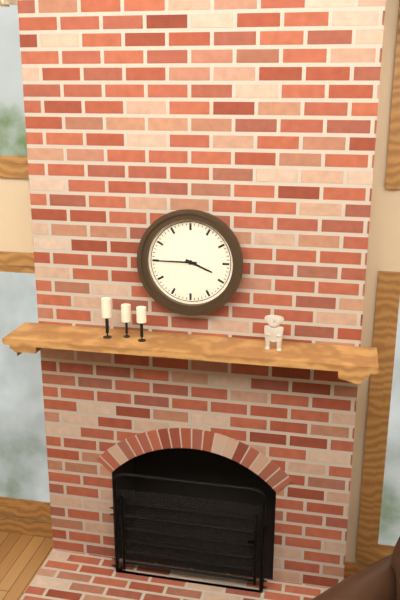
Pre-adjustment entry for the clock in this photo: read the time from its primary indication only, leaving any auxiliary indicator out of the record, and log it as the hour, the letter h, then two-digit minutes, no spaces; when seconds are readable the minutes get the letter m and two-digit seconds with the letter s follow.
3h45
